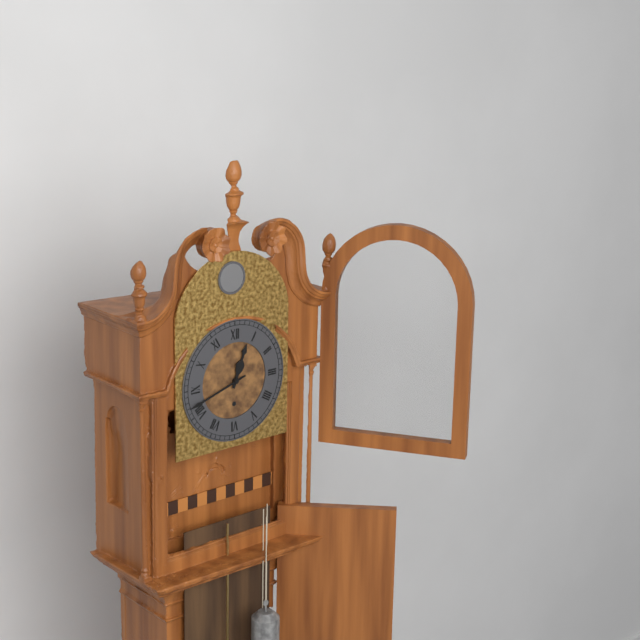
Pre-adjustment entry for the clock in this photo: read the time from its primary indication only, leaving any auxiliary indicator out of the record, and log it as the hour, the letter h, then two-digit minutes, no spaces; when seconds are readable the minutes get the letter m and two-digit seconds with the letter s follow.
12h42
